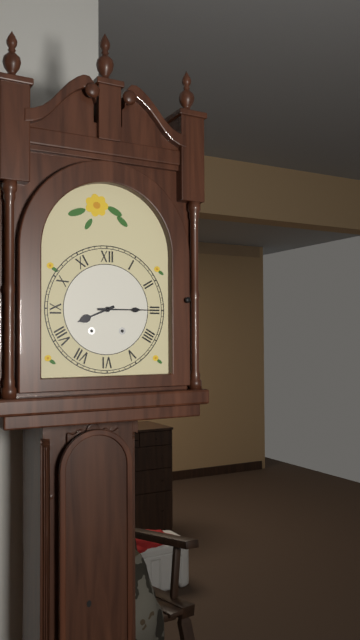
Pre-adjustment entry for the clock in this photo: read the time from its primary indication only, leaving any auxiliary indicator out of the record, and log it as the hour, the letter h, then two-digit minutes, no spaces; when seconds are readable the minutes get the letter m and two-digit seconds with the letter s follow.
8h15
